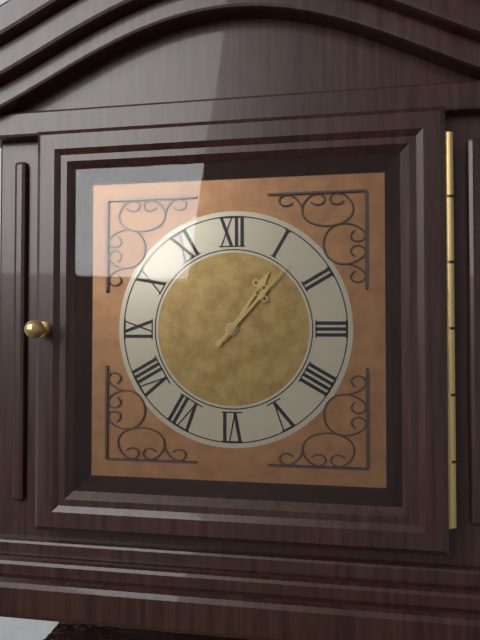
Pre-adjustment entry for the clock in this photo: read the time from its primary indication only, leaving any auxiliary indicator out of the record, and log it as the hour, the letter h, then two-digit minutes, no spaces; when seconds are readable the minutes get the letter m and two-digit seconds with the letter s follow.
1h07
